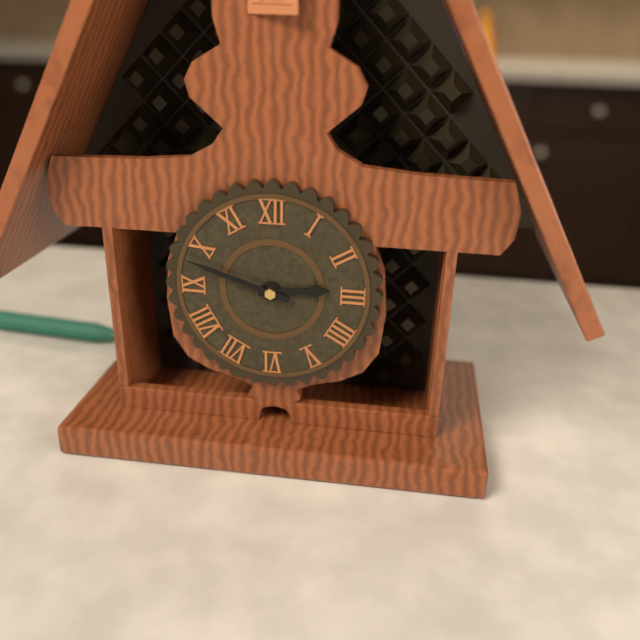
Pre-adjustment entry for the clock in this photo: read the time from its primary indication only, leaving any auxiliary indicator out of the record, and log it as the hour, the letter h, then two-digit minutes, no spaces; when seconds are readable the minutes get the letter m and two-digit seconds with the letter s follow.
2h48
